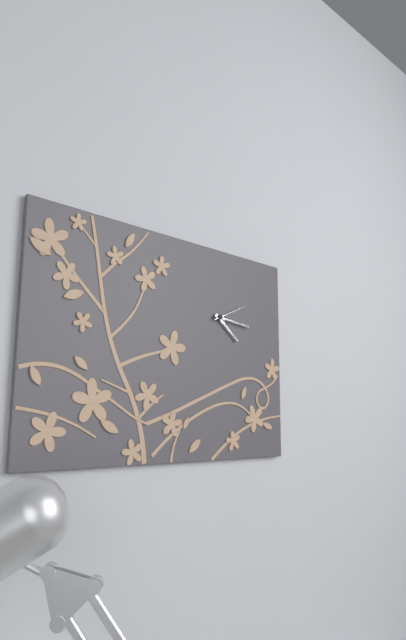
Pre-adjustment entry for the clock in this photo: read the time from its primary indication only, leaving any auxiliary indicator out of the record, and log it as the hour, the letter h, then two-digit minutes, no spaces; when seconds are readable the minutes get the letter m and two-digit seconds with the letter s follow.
4h16
